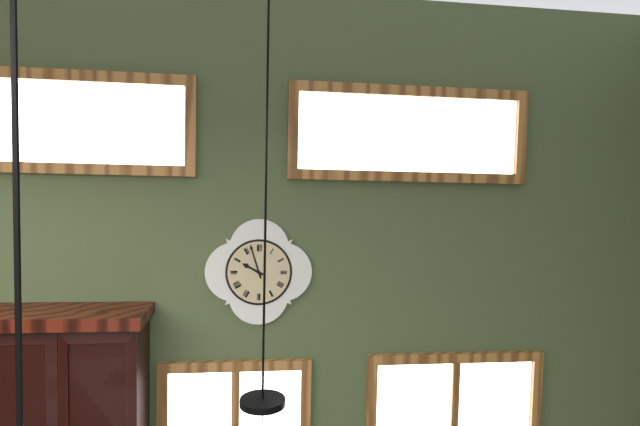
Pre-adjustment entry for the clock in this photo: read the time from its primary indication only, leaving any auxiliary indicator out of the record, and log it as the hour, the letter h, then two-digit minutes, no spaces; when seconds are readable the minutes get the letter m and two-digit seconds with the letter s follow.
9h57
